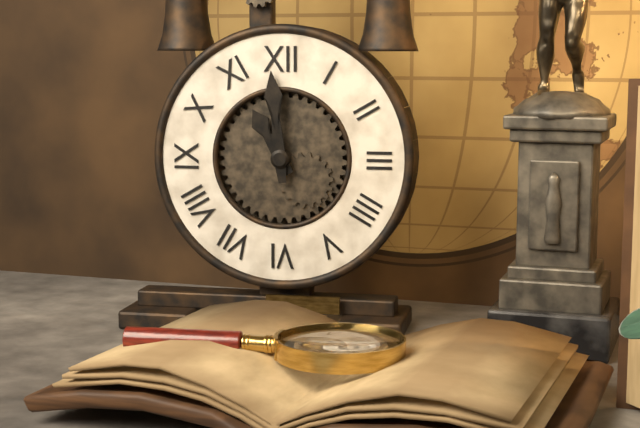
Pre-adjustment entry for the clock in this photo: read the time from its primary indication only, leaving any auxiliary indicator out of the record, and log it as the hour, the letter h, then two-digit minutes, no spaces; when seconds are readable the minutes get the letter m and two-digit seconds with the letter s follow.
10h59
